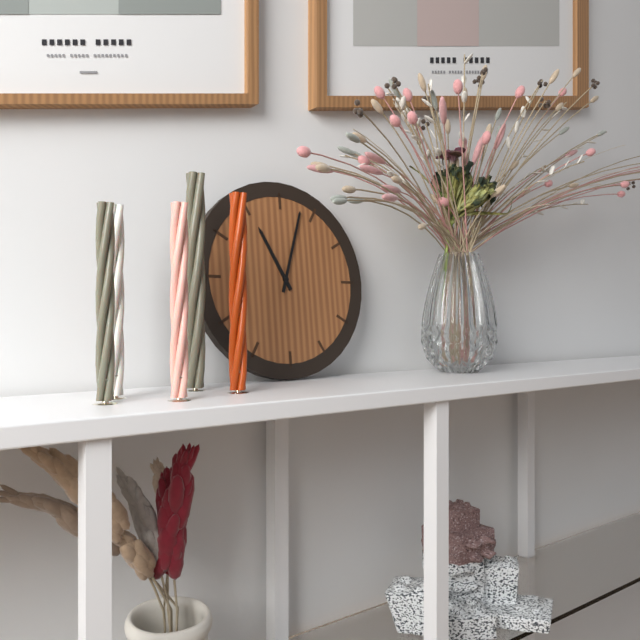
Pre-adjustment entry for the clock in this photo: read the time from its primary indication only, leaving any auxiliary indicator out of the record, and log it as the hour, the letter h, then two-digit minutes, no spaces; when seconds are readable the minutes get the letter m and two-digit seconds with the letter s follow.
11h03
